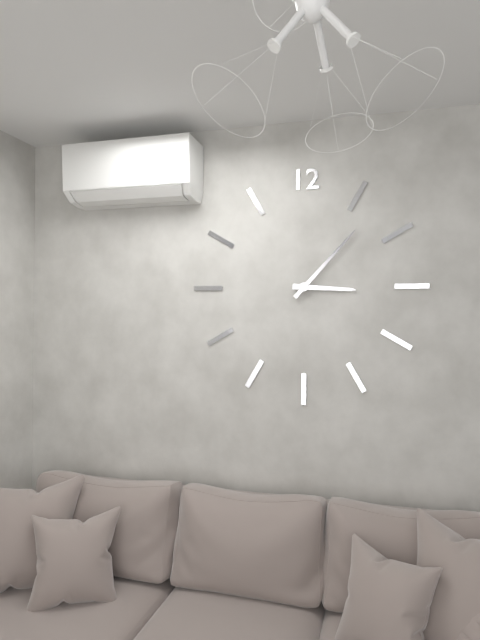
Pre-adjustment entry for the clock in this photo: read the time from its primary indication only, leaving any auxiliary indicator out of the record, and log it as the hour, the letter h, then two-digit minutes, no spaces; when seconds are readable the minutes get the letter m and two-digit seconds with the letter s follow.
3h07
